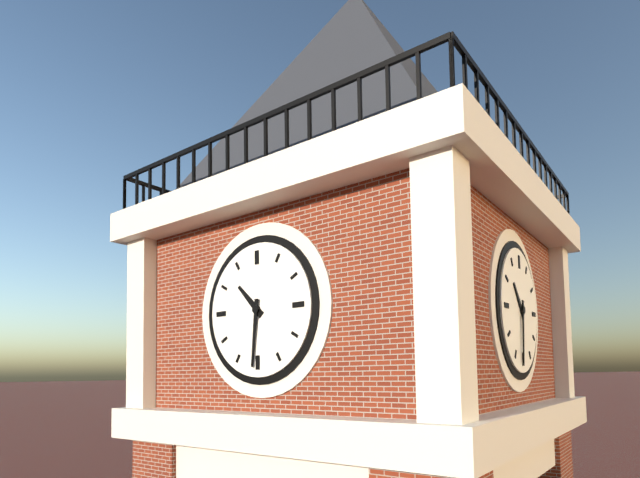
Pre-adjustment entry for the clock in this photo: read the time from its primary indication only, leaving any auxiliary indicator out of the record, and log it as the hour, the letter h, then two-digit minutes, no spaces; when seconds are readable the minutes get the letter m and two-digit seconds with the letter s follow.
10h31
